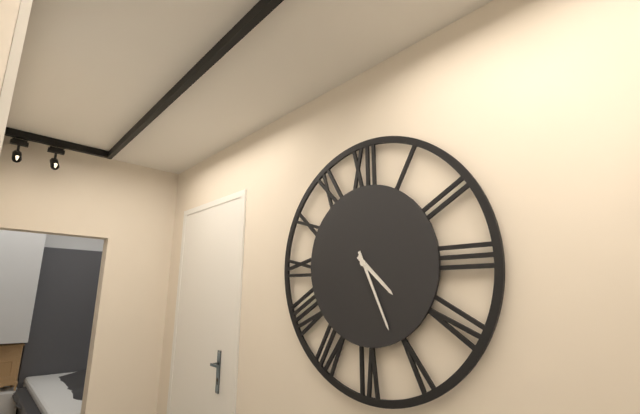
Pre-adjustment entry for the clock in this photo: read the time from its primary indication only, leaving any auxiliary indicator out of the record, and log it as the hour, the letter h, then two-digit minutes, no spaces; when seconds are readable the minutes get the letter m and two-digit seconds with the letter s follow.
4h26
